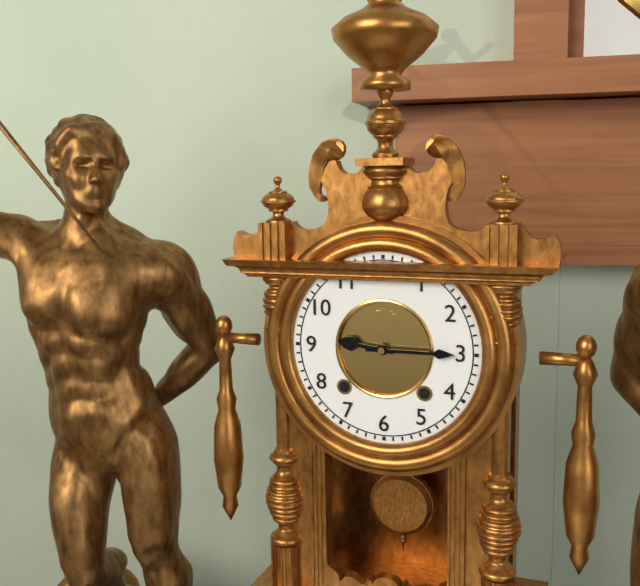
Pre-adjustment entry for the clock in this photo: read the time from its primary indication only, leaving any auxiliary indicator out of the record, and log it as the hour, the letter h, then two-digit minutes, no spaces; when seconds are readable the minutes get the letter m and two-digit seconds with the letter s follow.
9h15
